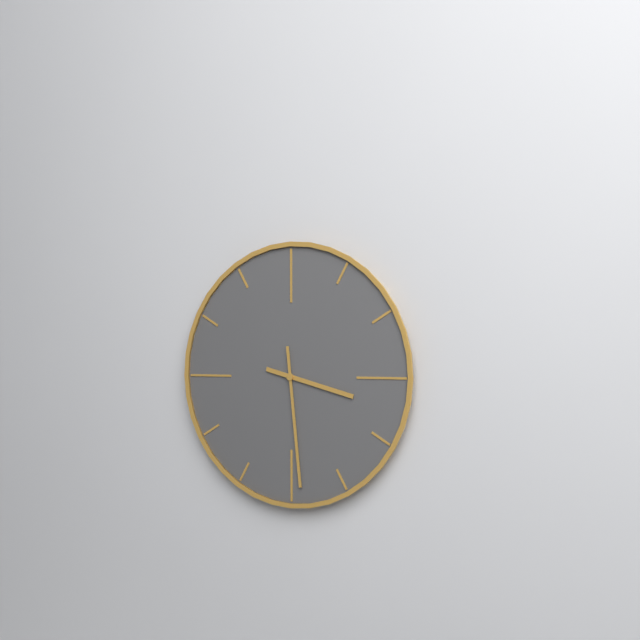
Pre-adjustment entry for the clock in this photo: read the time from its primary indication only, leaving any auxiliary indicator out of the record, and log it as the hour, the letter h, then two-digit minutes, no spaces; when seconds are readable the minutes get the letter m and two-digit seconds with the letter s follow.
3h29
